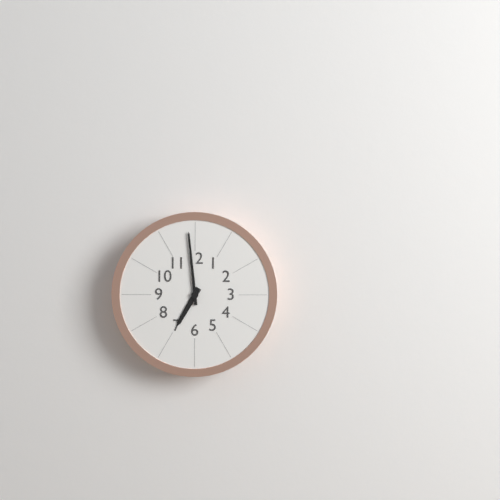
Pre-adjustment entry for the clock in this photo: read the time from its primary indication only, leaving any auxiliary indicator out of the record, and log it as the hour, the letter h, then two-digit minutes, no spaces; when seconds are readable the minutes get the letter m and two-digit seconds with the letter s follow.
6h59
